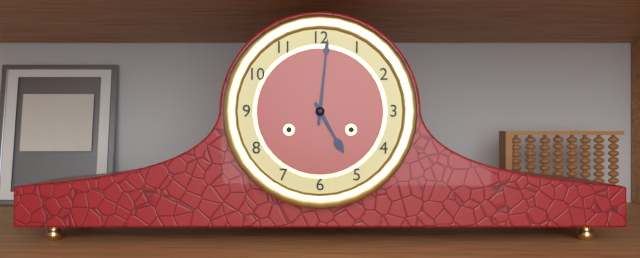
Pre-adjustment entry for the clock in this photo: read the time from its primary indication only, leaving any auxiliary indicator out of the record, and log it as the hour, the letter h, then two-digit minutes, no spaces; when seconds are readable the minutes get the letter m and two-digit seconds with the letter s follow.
5h01
